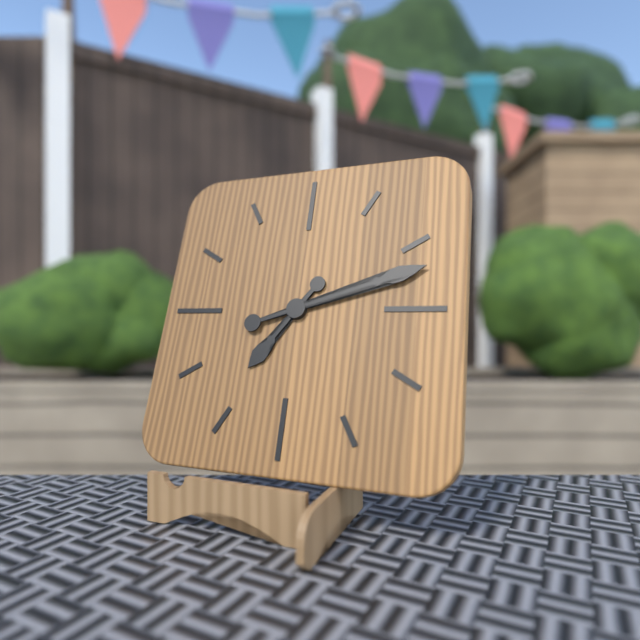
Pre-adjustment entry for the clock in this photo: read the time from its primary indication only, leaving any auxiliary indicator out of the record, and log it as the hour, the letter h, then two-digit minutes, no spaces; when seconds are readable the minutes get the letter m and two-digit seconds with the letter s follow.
7h12
